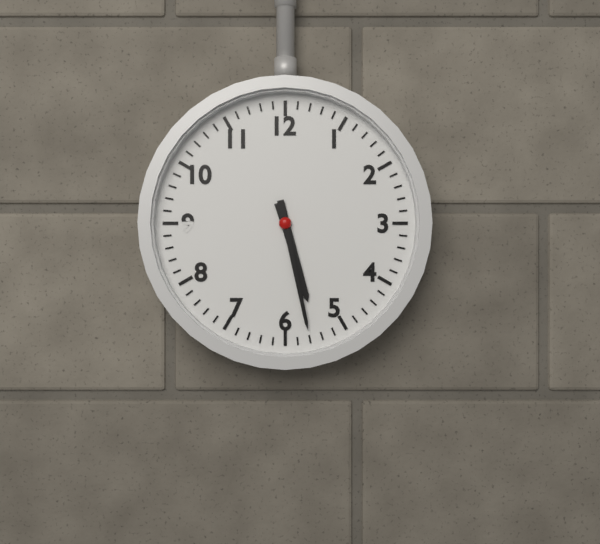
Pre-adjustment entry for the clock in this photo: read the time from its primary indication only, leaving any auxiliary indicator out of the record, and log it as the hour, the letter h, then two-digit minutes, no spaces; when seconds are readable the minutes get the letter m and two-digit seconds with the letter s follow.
5h28
